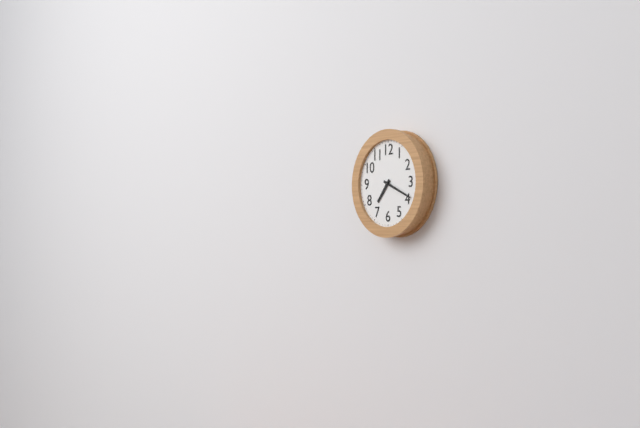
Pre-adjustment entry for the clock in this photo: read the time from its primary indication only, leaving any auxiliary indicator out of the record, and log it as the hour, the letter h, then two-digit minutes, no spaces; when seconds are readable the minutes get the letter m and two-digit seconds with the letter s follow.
7h19
